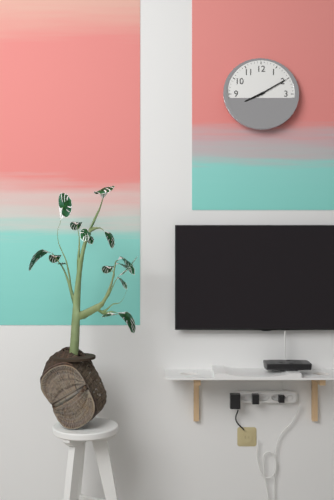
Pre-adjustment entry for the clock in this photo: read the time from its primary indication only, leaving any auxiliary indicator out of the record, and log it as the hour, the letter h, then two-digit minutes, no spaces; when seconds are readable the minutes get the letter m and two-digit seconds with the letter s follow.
8h10
